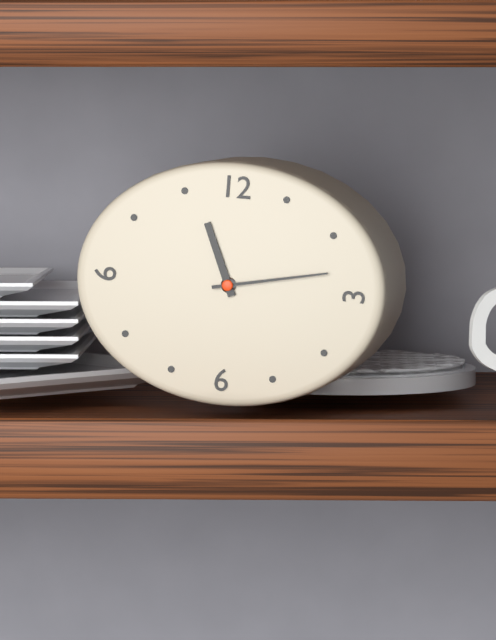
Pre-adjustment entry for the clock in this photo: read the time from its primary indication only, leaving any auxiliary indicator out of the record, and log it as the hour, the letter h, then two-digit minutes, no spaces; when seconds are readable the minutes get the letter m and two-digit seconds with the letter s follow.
11h13
